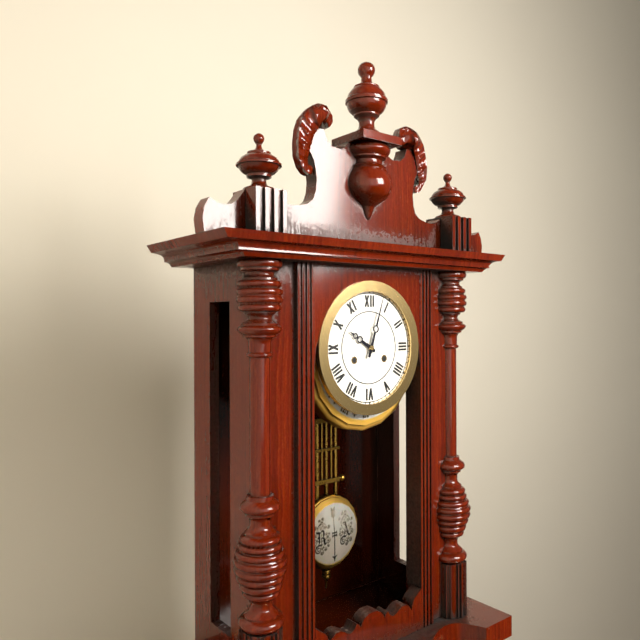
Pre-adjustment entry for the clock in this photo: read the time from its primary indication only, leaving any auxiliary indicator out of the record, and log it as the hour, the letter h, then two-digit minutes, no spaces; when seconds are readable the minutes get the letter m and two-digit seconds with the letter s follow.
10h03
